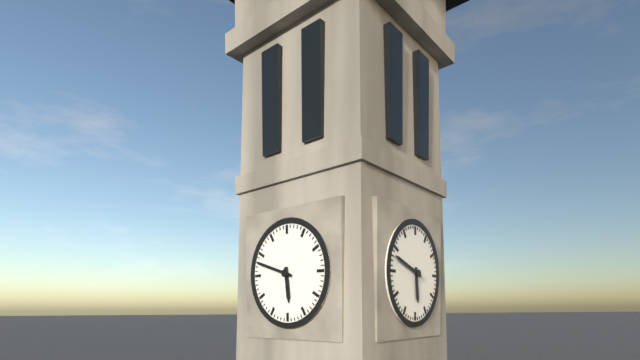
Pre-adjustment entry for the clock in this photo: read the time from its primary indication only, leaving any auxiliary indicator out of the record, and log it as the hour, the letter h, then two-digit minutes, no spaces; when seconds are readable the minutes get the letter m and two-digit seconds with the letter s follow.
5h48
